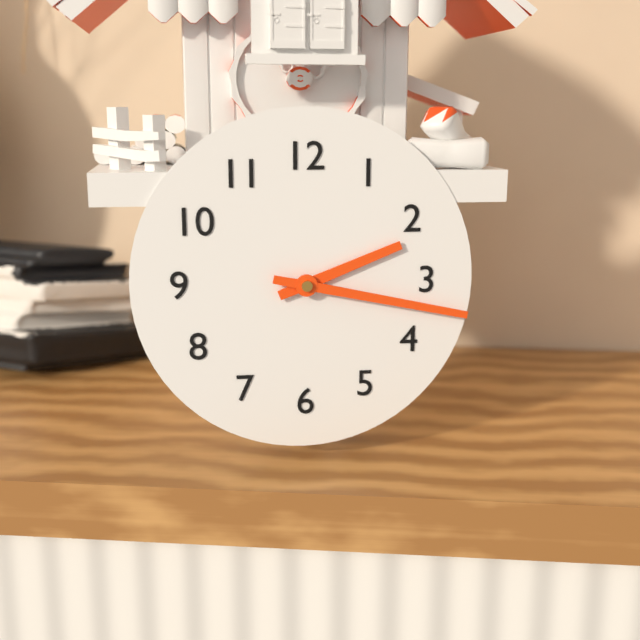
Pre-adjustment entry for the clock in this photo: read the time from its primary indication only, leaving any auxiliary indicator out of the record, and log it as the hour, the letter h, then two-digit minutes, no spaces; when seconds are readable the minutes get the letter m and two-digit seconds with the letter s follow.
2h17
